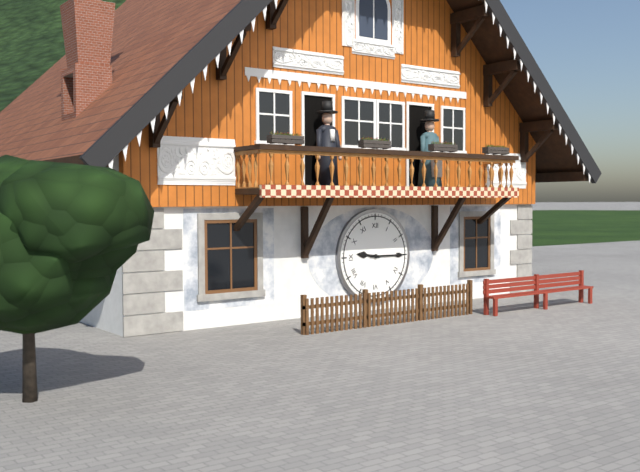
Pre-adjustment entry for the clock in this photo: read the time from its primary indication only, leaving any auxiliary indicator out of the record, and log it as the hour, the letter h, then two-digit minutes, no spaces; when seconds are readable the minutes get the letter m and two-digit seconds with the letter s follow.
9h15
